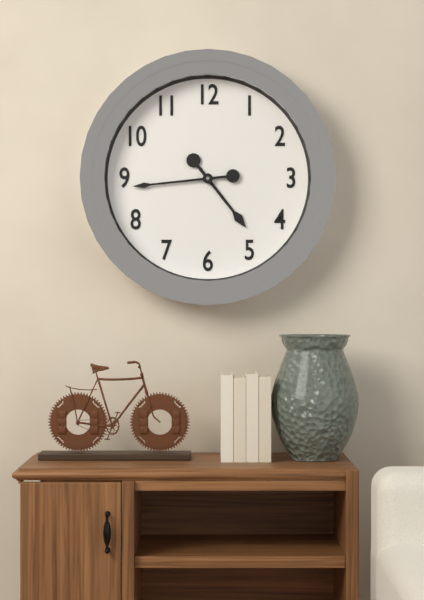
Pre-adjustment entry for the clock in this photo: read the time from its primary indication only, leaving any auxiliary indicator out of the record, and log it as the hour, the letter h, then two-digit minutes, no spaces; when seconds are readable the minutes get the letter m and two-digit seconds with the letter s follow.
4h44
